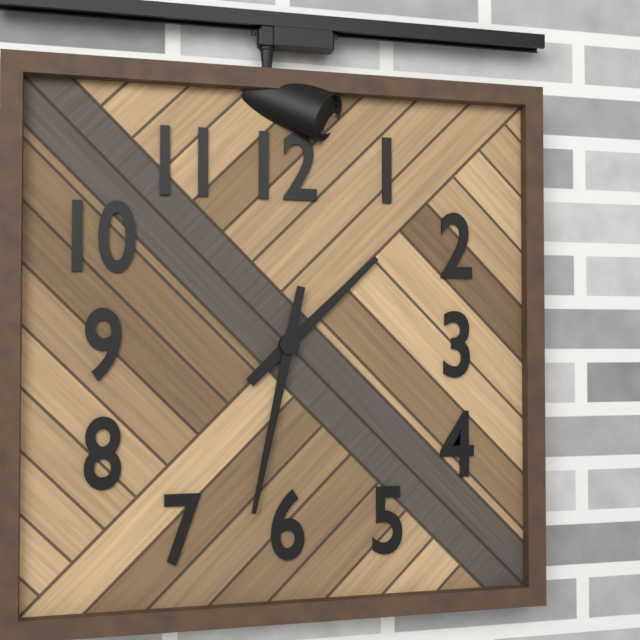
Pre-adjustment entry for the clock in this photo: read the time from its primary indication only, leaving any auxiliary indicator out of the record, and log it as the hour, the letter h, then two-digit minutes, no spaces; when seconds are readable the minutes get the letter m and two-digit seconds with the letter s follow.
1h32
